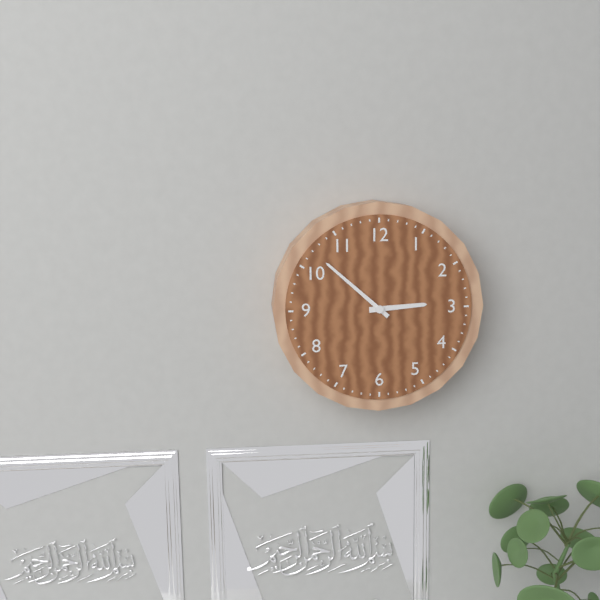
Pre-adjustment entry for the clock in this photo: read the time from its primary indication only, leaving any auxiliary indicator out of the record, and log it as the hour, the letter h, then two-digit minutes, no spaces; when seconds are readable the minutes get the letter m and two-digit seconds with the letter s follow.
2h52
